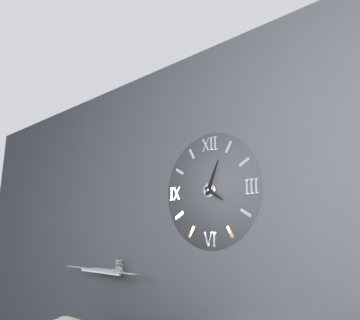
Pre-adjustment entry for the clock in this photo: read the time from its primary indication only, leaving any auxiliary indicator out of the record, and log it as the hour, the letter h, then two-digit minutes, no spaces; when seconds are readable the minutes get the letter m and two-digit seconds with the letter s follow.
4h04
